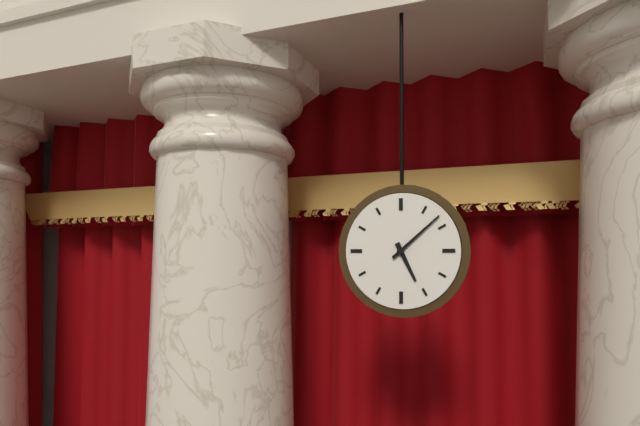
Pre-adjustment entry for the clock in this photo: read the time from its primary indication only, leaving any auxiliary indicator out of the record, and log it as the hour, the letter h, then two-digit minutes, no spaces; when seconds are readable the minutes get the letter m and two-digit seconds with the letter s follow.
5h08
